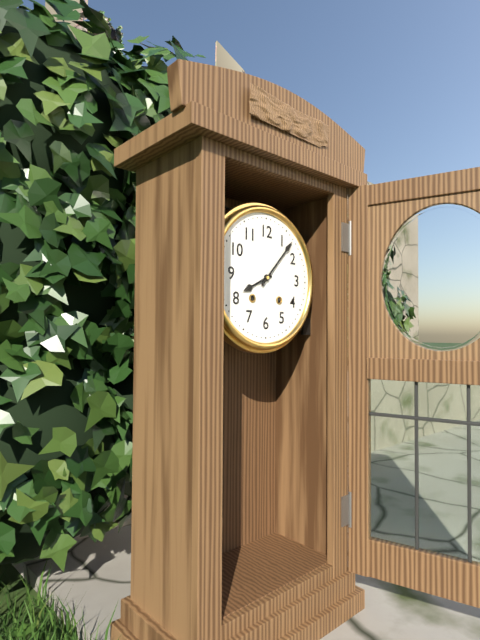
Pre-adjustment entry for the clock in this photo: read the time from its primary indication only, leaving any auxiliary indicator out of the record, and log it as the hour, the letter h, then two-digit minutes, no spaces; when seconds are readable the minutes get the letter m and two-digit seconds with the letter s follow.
8h07
